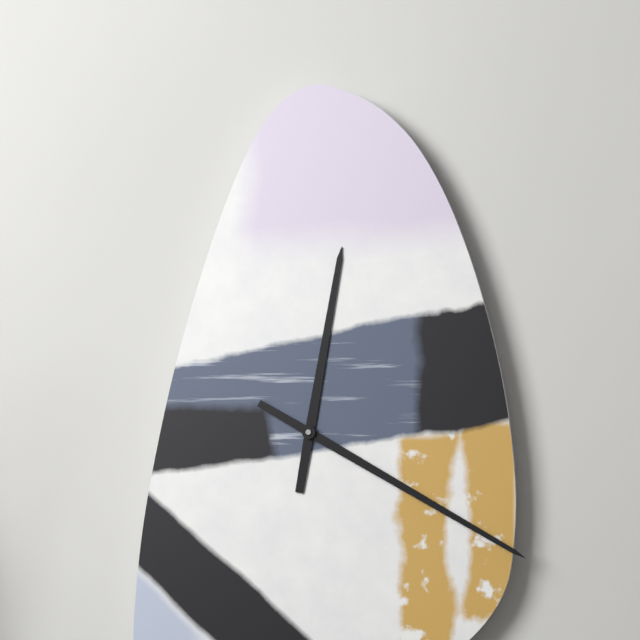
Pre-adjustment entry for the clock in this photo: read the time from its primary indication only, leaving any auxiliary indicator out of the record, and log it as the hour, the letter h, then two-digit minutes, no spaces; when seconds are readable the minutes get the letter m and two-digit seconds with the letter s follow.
12h20
